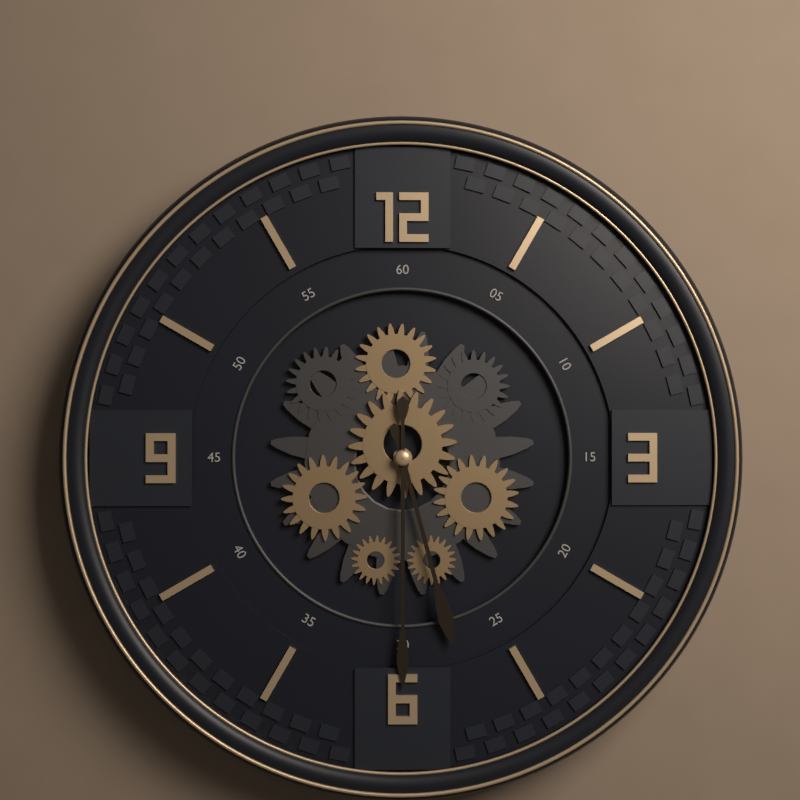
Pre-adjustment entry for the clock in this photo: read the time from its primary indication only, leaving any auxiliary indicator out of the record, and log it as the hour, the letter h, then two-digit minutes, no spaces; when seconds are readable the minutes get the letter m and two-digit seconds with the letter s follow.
5h30
